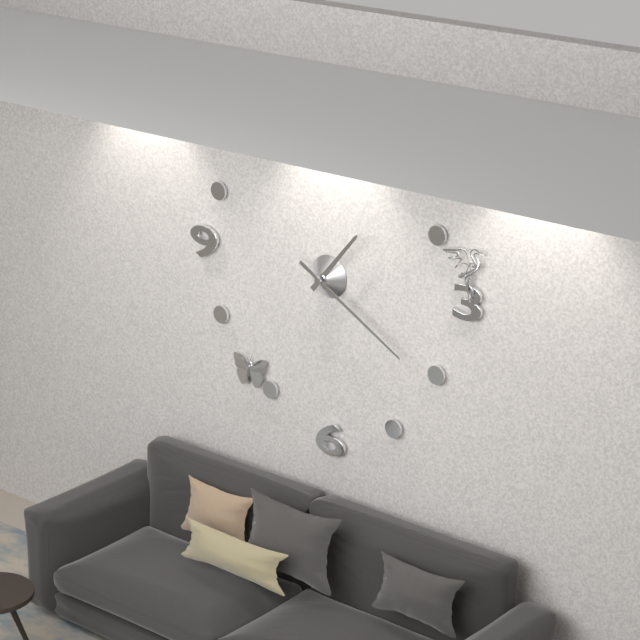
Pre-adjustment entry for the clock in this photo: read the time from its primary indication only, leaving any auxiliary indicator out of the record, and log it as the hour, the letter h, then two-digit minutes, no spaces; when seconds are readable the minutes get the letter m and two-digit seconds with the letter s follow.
1h20
